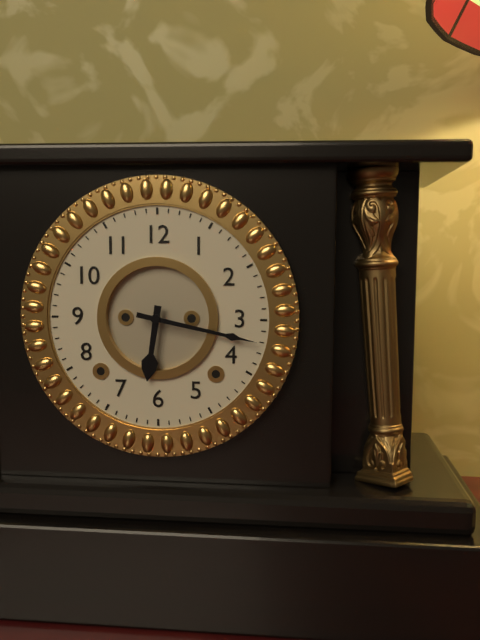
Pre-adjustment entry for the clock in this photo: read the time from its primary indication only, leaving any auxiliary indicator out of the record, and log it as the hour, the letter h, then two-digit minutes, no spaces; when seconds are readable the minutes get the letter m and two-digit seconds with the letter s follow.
6h17
